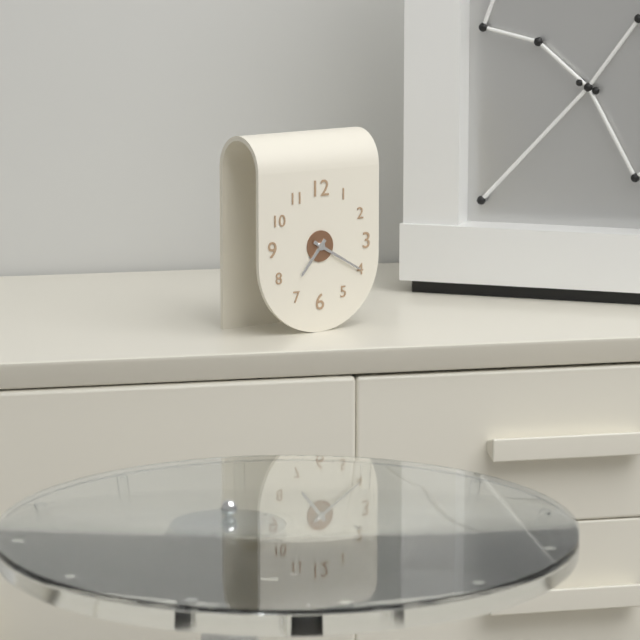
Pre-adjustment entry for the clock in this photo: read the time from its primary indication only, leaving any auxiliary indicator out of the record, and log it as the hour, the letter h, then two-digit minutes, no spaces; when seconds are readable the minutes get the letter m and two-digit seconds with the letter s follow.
7h20
